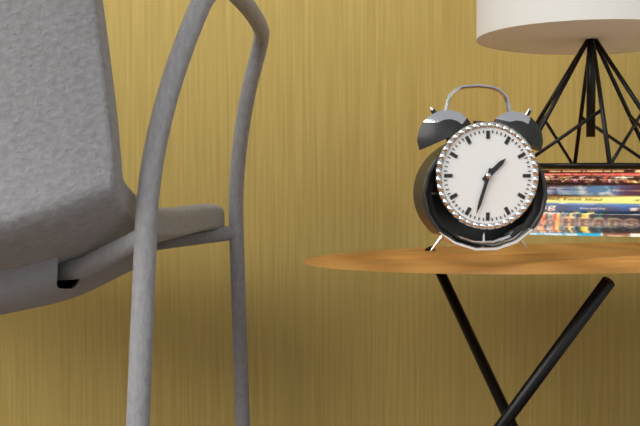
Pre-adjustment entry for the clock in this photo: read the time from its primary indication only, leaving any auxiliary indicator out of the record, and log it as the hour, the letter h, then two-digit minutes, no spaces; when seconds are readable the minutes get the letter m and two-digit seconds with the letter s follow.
1h33
